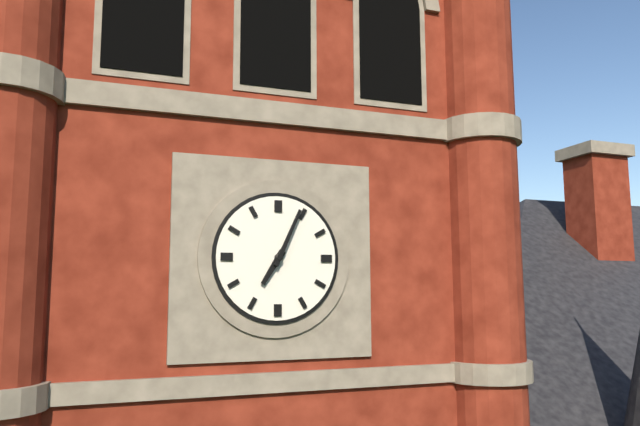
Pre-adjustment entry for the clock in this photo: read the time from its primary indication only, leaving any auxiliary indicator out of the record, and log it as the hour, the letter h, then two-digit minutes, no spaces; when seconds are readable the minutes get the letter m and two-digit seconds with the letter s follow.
7h04
